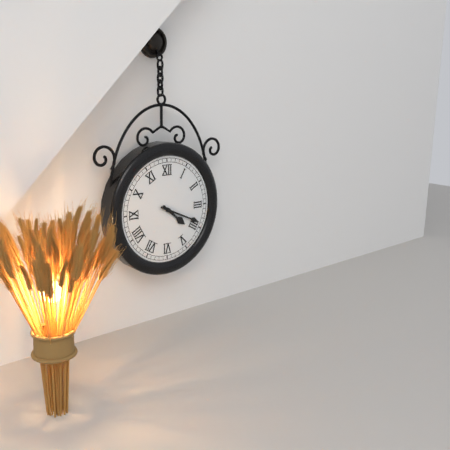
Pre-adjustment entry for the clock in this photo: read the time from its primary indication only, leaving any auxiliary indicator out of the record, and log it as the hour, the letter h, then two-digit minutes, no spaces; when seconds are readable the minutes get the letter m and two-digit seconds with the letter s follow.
4h19
